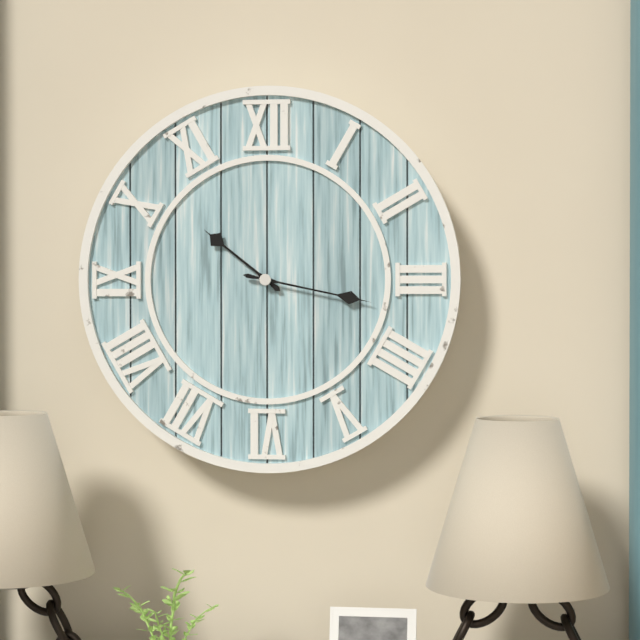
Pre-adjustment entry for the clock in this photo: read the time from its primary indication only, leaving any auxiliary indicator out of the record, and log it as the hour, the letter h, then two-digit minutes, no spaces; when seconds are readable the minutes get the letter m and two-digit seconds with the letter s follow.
10h17
